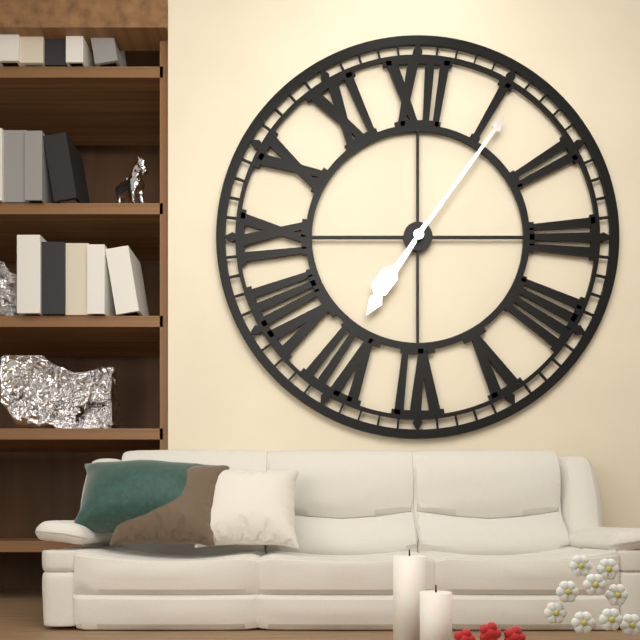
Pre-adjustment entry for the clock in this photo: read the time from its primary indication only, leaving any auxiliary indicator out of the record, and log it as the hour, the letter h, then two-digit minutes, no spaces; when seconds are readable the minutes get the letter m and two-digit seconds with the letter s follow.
7h06
